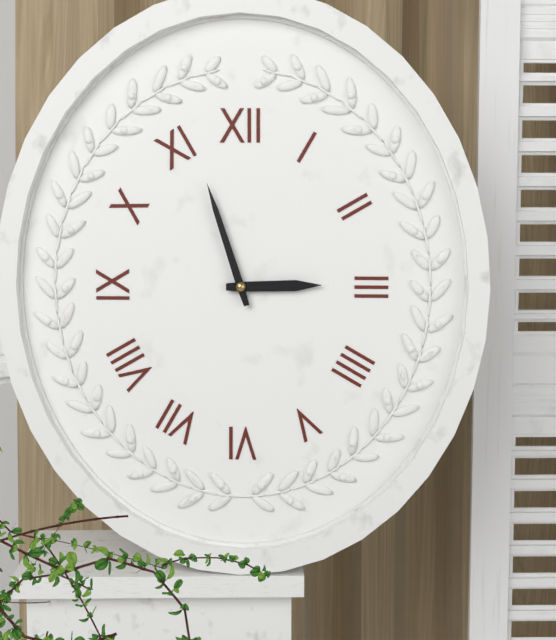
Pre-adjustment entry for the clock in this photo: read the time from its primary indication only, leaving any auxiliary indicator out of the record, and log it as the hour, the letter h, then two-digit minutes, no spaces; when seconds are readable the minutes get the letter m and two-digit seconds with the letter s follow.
2h57
